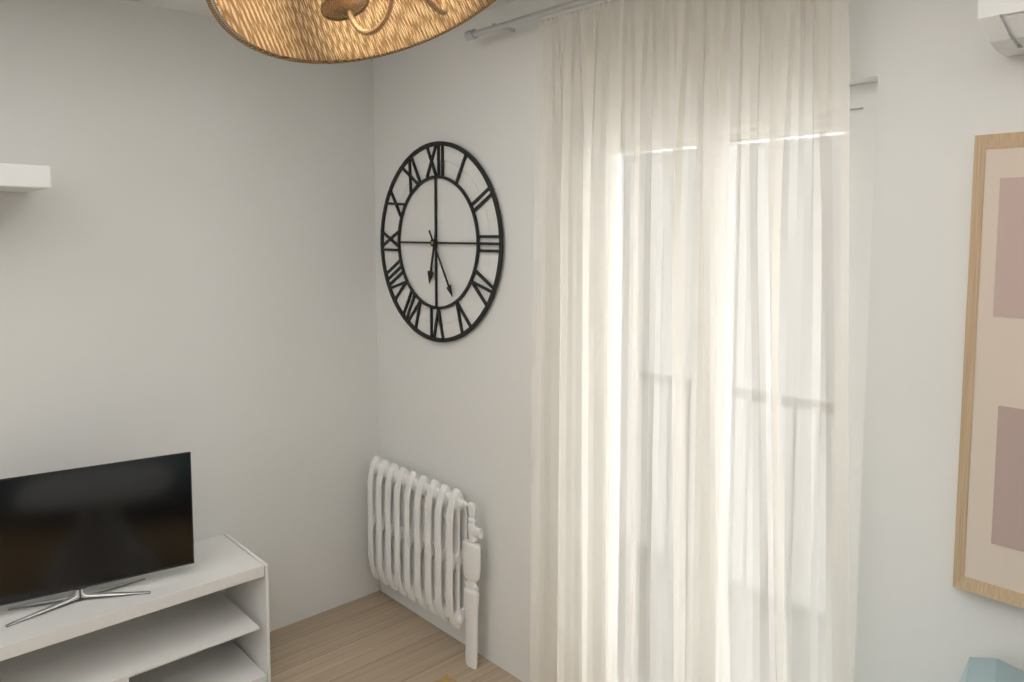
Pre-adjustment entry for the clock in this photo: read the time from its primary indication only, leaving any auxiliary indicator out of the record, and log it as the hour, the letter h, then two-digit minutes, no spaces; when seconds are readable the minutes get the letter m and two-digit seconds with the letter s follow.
6h25
